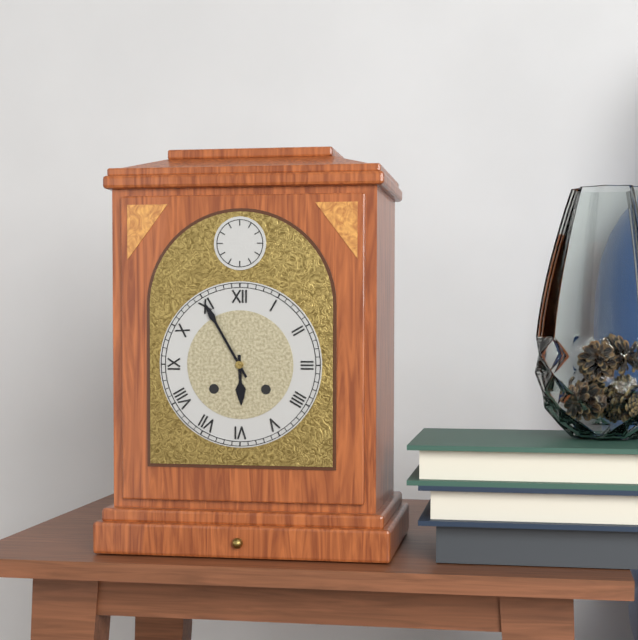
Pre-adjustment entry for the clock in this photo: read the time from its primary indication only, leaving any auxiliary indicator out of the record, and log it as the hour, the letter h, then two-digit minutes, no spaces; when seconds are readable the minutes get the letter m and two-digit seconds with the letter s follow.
5h55
